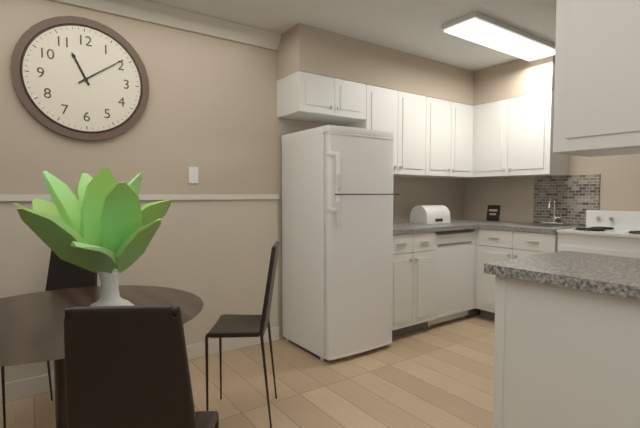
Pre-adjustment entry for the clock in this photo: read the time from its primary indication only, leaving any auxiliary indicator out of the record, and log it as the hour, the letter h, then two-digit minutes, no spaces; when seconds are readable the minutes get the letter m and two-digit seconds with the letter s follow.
11h09
